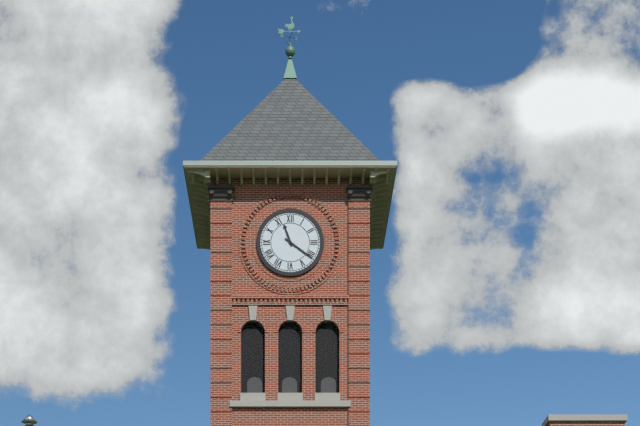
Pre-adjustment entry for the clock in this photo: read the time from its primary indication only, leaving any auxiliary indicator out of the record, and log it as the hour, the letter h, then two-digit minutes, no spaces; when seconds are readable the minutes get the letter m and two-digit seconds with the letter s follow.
11h21
